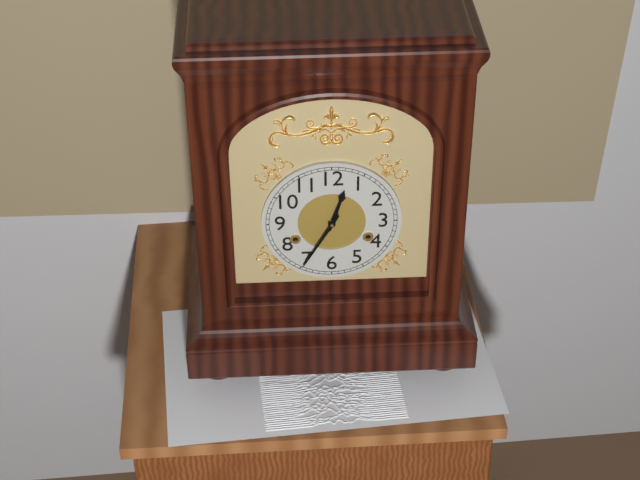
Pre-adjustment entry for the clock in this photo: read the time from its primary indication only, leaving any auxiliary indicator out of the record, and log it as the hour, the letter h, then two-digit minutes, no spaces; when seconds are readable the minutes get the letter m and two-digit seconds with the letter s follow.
12h35
